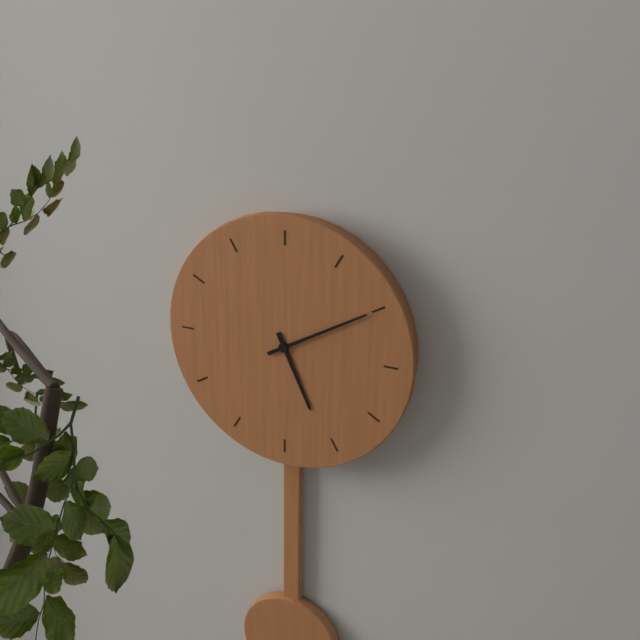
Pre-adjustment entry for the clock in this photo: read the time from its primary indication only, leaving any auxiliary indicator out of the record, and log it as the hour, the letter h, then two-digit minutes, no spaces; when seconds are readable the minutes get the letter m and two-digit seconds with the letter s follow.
5h10
